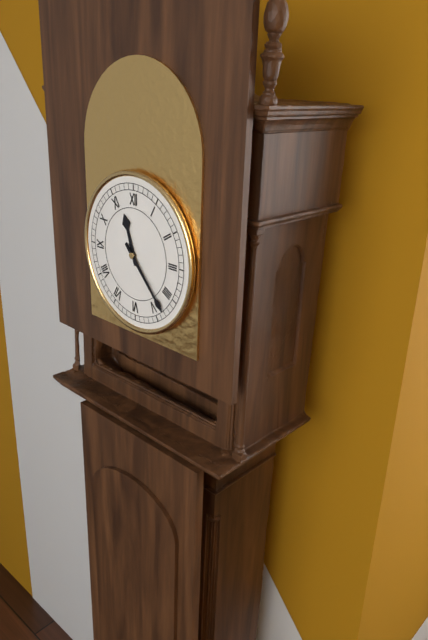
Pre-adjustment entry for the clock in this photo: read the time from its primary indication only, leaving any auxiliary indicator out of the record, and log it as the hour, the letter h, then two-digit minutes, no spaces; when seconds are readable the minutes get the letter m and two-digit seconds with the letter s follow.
11h23
